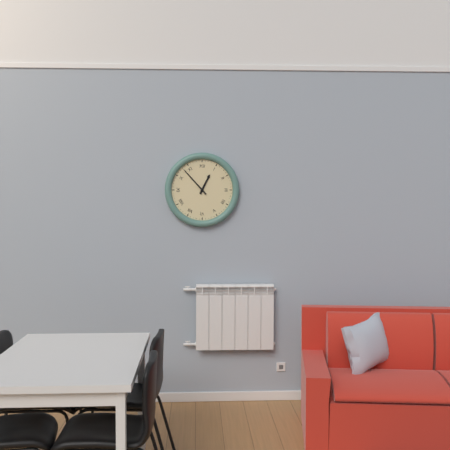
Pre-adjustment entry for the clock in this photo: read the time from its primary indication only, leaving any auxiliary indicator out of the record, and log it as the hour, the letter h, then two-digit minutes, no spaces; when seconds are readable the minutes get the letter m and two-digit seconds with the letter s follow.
12h53
